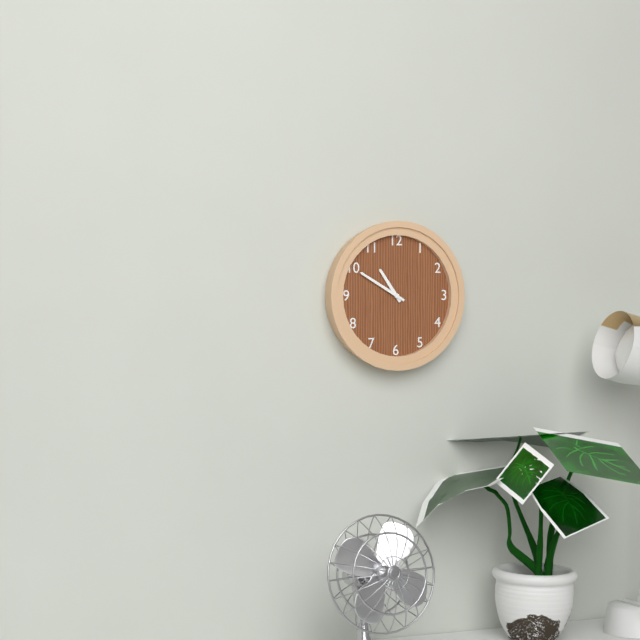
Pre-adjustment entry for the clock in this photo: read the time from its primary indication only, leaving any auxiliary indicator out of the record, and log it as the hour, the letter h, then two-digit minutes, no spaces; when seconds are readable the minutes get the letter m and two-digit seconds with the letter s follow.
10h50
